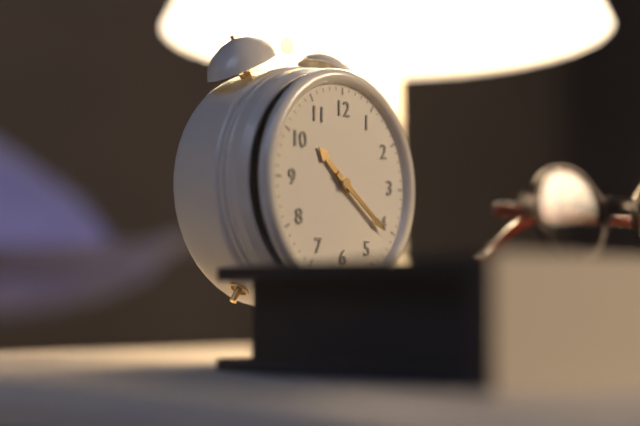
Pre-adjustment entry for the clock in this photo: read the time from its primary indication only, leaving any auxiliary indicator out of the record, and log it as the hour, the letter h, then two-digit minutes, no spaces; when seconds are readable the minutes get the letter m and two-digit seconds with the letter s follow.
10h21
